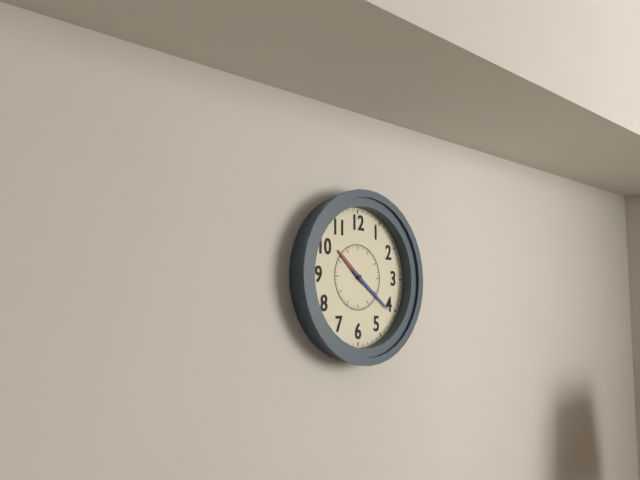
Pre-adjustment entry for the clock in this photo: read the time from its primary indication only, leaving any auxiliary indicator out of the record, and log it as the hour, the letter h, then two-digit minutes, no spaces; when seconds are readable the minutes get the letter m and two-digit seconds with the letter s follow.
10h21
